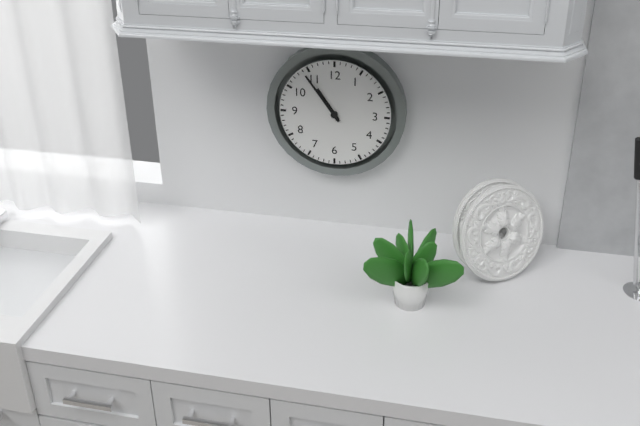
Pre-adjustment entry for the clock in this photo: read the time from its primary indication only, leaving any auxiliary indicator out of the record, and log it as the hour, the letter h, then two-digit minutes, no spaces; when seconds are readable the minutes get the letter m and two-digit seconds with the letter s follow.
10h54
